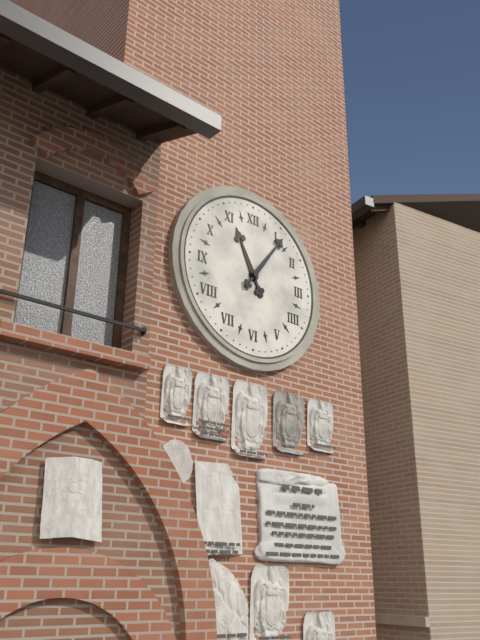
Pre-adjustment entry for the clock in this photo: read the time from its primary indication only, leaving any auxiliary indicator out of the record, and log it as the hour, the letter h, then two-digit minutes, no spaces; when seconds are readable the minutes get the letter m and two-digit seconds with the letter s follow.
11h06
